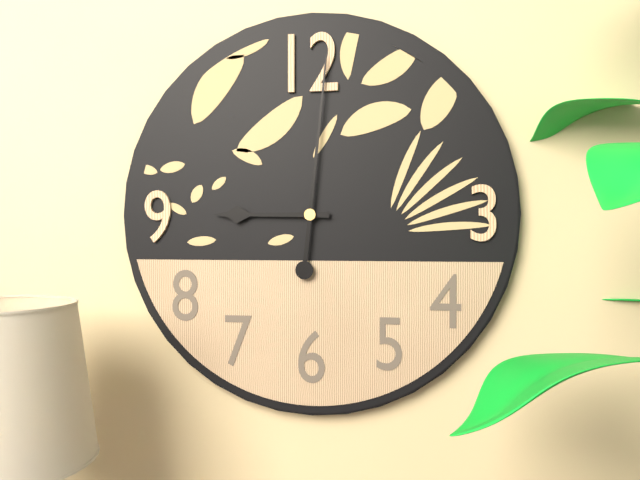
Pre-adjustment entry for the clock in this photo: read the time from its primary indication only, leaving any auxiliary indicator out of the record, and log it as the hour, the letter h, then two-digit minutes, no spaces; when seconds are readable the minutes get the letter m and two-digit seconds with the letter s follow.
9h01
